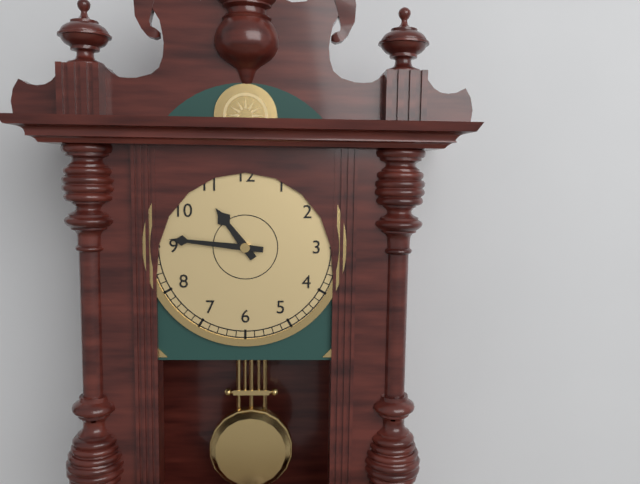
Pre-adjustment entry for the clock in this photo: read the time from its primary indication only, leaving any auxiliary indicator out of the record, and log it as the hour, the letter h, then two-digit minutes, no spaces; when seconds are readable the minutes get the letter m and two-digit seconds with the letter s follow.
10h46
